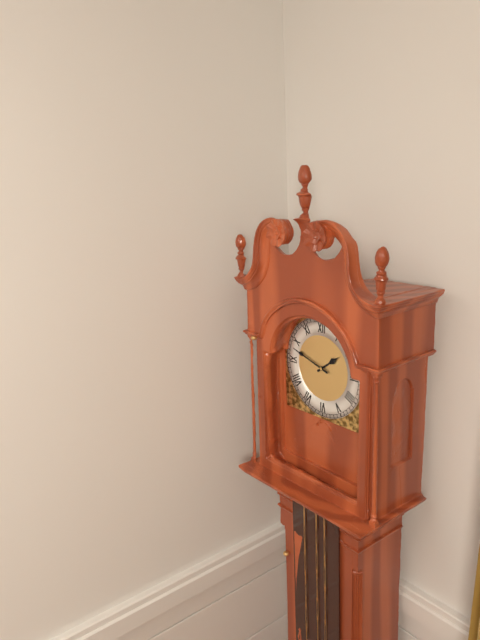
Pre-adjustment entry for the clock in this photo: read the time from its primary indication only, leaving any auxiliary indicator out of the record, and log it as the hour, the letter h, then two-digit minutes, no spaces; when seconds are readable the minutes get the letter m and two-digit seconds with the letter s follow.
1h48
